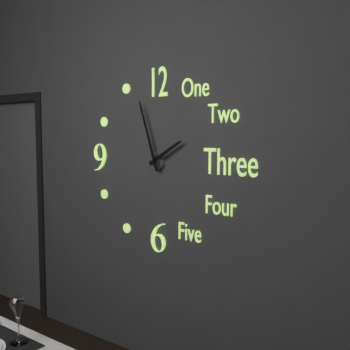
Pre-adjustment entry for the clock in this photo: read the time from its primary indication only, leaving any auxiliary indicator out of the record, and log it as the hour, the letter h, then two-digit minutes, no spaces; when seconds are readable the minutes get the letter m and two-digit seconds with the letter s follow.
1h57
